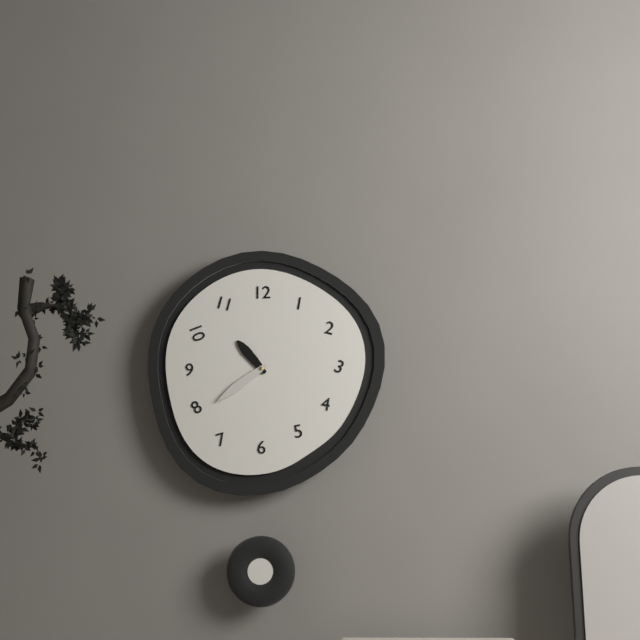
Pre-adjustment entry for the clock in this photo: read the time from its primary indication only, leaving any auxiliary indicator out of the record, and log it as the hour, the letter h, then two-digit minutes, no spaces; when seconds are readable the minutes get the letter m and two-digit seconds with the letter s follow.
10h39
